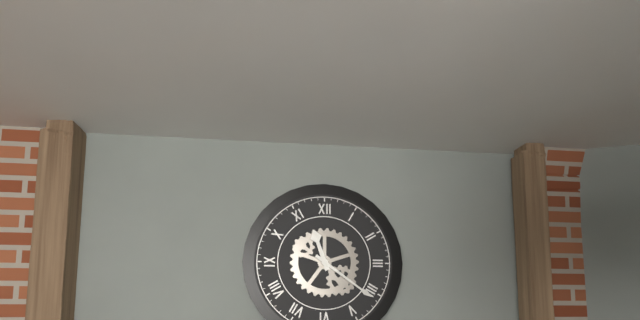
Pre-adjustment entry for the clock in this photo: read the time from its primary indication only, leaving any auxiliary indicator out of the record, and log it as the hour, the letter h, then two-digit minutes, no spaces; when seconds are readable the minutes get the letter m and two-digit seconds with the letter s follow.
11h21
